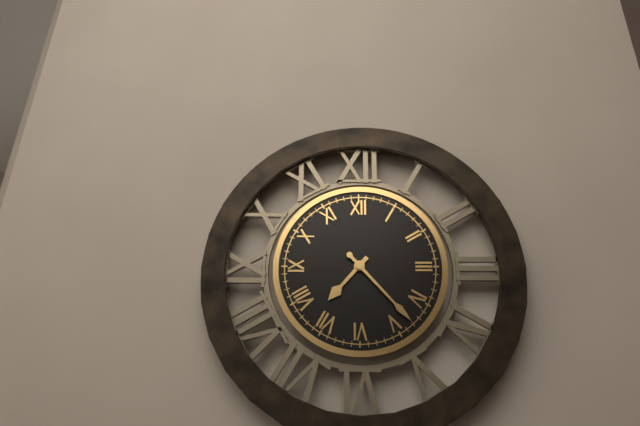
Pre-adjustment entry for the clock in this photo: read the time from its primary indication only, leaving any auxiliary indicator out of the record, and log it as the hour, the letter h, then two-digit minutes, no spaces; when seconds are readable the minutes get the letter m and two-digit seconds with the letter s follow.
7h23
